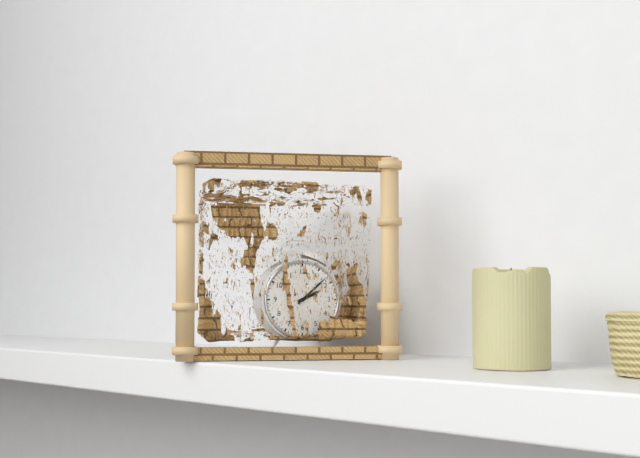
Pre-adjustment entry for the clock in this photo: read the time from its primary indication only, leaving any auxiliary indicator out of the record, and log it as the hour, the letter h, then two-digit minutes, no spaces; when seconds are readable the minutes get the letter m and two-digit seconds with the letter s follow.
2h08
